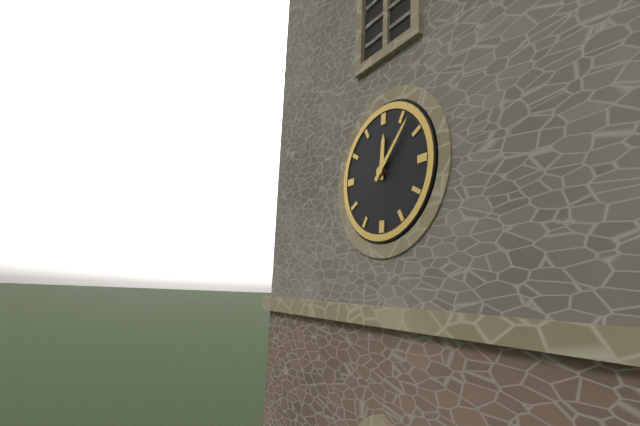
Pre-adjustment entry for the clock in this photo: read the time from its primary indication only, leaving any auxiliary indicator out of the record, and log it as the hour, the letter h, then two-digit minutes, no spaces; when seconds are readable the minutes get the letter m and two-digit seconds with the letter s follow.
12h07
